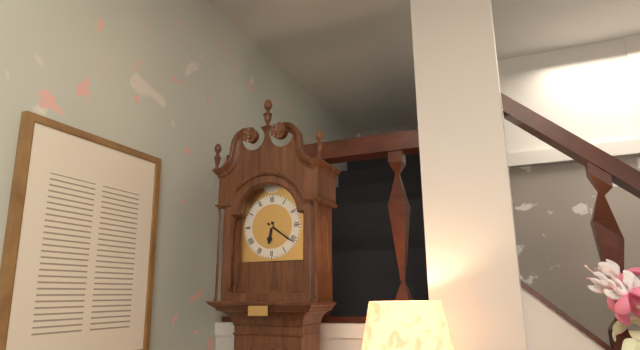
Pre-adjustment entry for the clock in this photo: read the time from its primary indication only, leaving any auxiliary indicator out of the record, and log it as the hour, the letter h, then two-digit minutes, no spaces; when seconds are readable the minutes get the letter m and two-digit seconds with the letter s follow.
6h21
